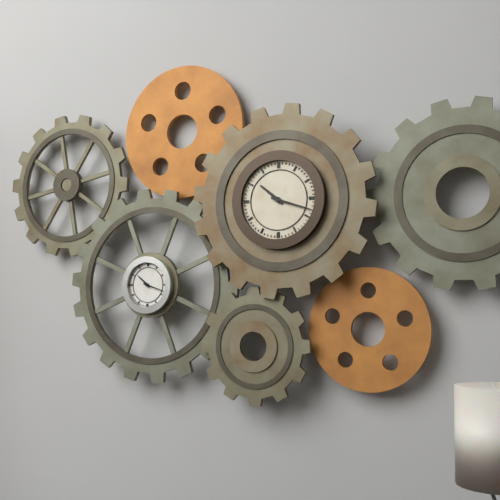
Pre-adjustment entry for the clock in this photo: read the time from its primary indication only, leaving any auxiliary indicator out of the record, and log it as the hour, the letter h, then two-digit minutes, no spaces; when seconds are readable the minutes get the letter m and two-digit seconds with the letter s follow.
10h18
